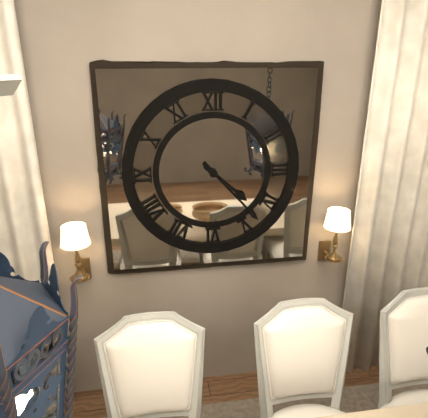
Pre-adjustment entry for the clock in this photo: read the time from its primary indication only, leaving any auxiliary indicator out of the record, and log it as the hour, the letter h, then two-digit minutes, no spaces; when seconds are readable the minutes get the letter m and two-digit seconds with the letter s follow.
4h23
